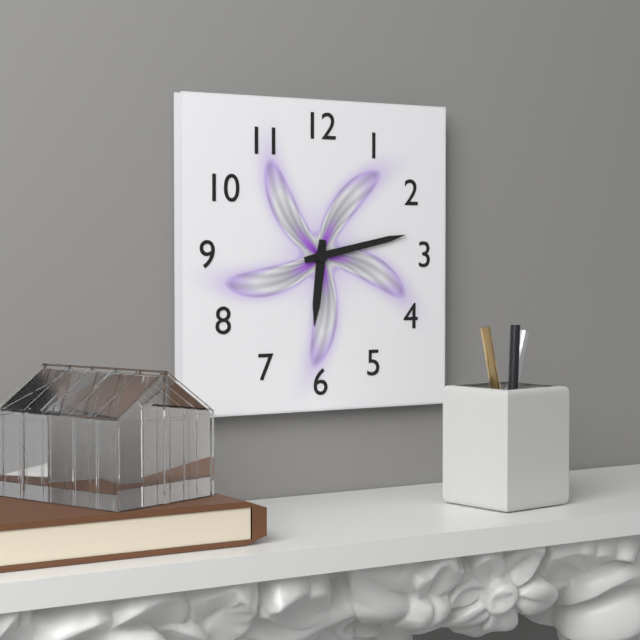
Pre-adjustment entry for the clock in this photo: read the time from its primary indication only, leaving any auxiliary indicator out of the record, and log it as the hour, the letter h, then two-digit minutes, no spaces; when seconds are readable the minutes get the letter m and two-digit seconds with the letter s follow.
6h13
